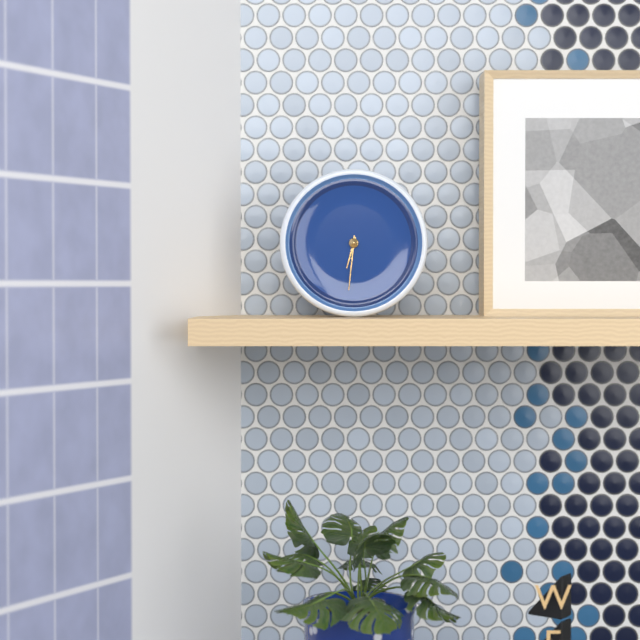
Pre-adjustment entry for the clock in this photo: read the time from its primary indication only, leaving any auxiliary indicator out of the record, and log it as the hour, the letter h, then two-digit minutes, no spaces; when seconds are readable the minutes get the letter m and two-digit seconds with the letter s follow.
6h31
